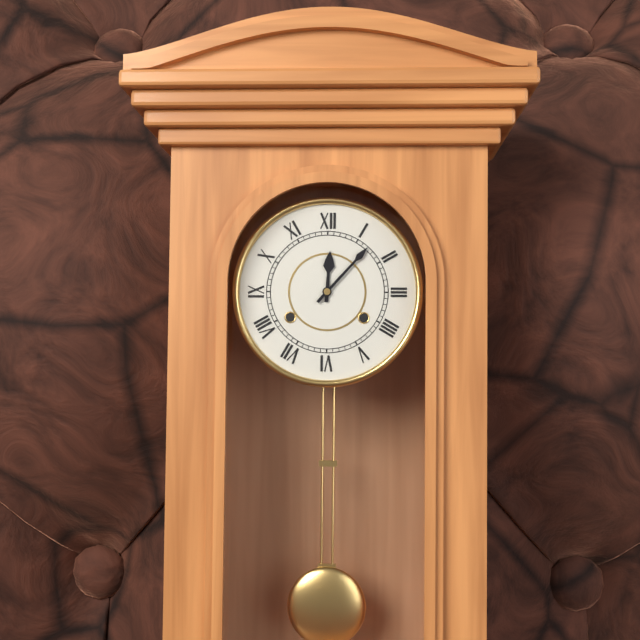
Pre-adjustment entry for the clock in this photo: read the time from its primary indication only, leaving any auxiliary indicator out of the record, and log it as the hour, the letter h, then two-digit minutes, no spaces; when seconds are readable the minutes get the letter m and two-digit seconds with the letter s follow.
12h07
